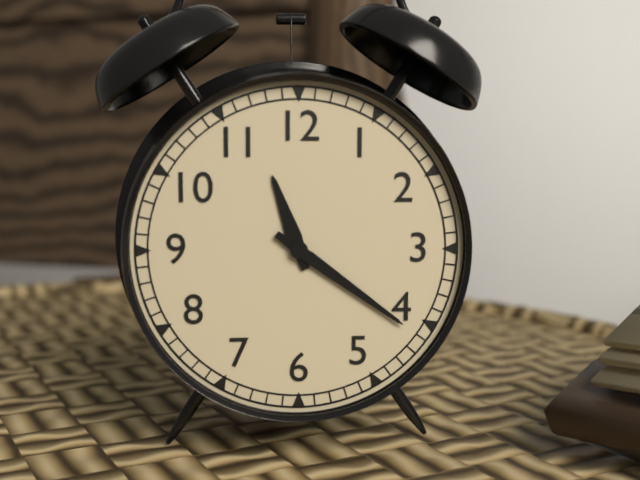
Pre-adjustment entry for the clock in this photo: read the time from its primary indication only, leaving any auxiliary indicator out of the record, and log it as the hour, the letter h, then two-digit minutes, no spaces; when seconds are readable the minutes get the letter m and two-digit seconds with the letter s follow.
11h21
